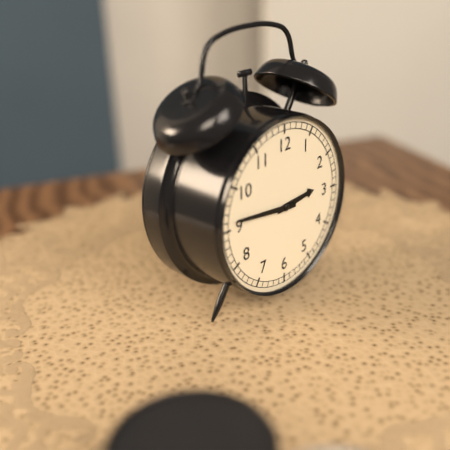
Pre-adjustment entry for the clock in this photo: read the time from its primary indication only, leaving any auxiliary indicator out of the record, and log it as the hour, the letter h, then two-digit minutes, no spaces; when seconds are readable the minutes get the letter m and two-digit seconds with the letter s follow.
2h46
